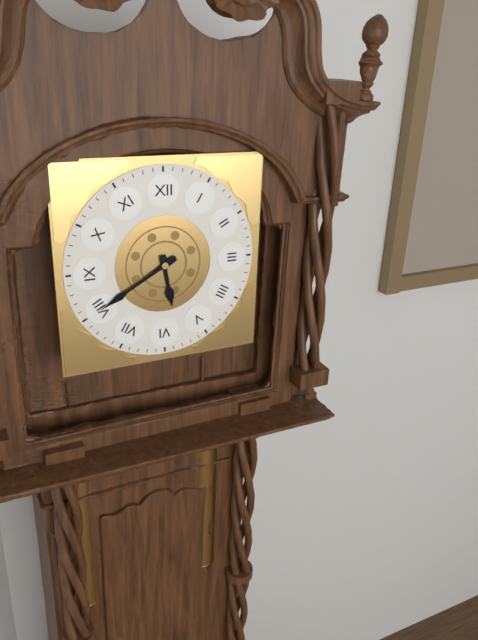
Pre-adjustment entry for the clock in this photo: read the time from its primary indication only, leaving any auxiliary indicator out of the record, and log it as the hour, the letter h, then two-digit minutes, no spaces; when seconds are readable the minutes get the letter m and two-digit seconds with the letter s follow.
5h40
